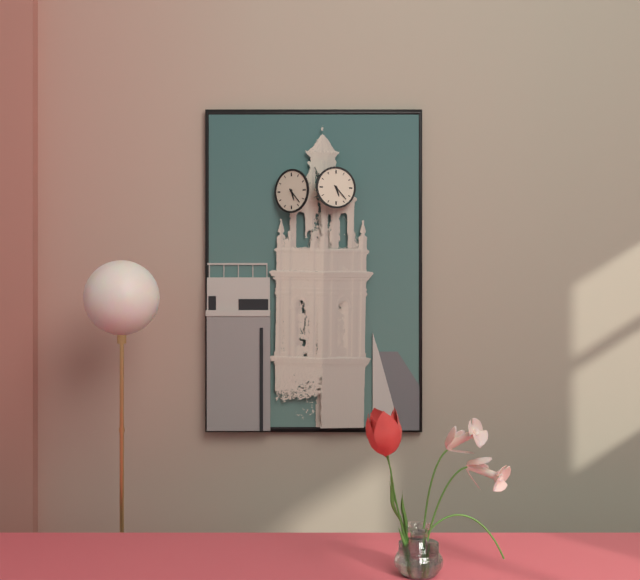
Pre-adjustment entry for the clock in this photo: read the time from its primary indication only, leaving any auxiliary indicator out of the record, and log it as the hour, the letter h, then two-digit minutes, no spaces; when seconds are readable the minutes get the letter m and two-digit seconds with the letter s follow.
5h23
